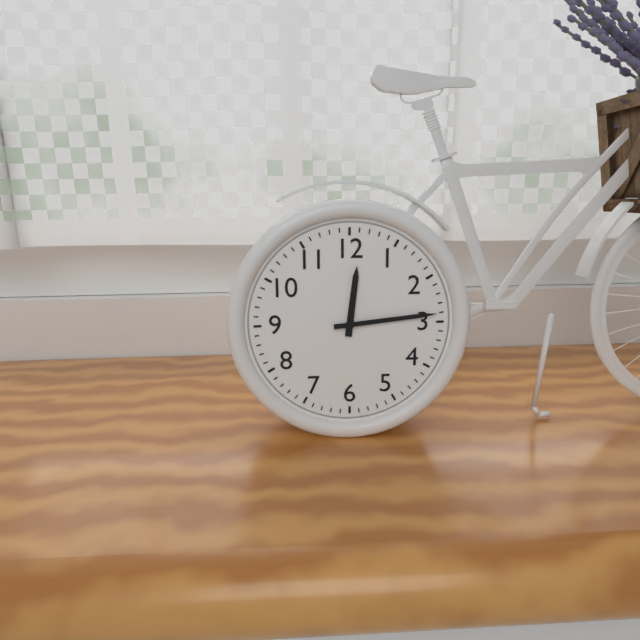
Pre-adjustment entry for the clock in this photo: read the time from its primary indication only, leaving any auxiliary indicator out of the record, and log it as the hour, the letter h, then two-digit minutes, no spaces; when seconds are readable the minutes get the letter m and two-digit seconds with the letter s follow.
12h14
